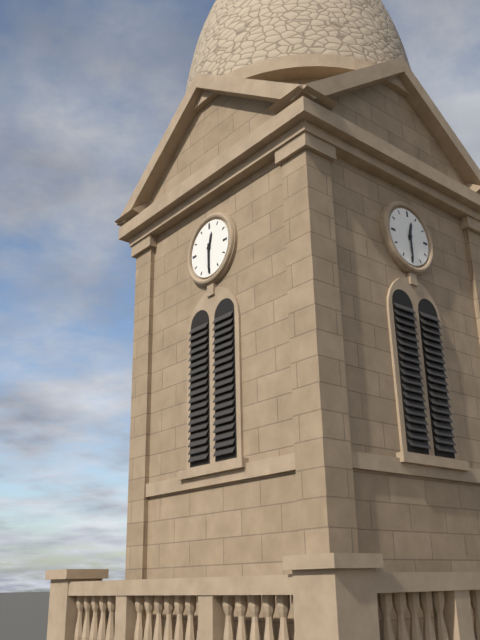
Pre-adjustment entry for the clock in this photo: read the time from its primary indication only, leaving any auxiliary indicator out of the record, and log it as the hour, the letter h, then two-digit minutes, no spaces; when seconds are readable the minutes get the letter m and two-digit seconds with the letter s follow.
12h30
